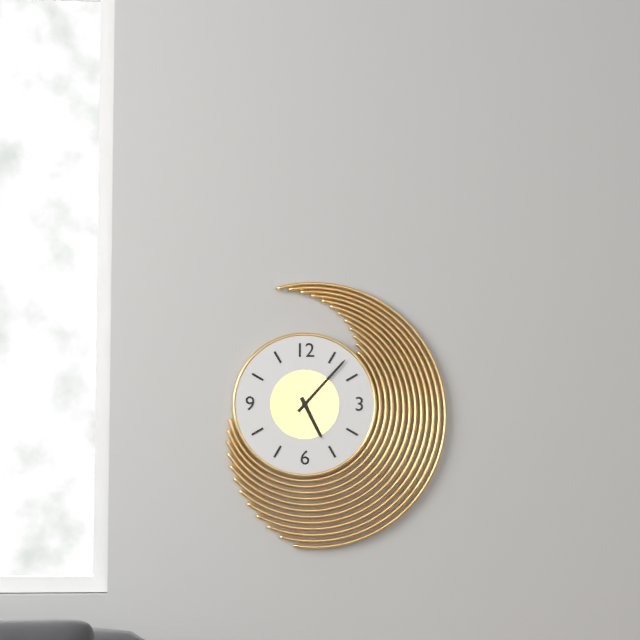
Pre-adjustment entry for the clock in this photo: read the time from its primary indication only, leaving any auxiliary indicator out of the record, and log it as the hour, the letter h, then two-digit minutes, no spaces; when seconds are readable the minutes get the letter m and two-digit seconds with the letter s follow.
5h07
